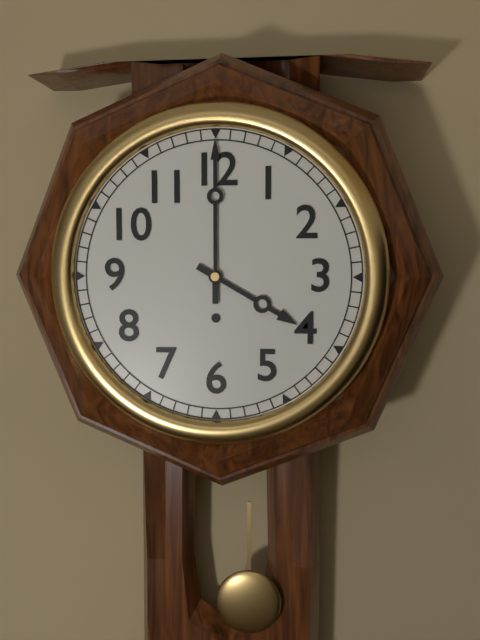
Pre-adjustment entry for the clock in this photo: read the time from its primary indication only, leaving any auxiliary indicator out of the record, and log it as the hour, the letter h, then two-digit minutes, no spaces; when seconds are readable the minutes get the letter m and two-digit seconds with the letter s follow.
4h00
